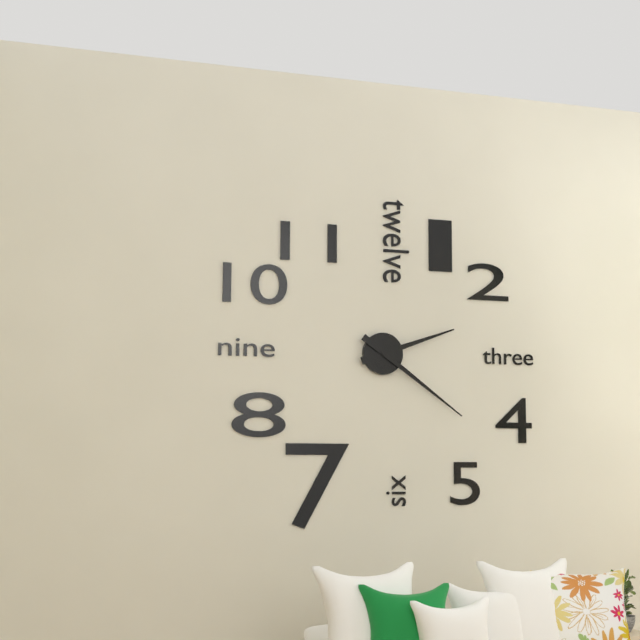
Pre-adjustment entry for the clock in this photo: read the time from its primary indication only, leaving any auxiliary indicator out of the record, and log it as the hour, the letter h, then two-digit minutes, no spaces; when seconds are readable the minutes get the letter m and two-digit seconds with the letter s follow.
2h21
